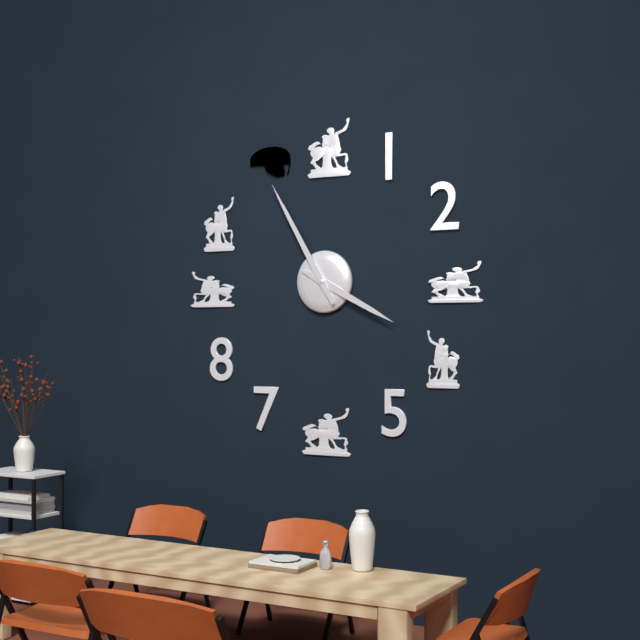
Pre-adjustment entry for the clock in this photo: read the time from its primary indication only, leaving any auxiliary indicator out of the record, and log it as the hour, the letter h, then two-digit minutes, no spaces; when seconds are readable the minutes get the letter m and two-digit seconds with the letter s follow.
3h55
